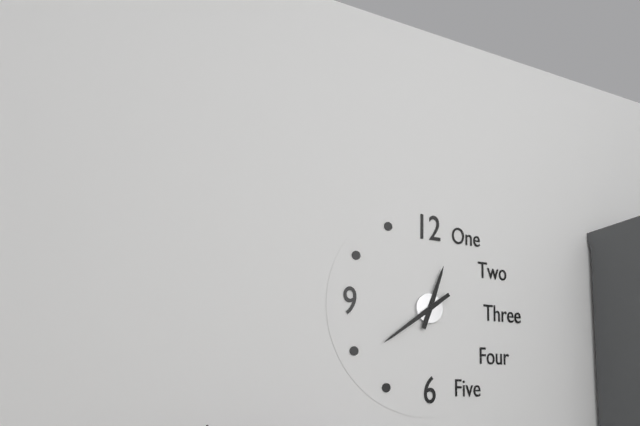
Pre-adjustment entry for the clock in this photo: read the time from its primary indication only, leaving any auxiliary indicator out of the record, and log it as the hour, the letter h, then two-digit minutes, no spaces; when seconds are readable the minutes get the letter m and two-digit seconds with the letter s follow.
12h39
